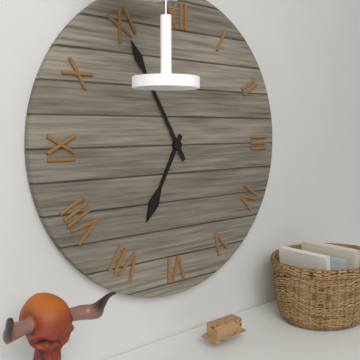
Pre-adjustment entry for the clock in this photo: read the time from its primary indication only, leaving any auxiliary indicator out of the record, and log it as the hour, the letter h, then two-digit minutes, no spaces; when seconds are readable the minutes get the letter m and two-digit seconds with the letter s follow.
6h55
